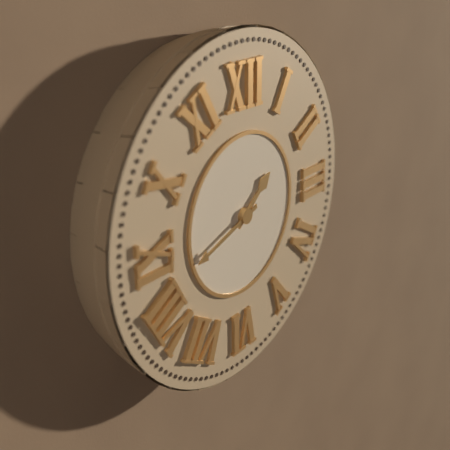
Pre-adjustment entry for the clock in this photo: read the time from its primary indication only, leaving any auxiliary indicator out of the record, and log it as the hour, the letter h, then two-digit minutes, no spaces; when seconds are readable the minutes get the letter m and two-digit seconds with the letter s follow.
1h42
